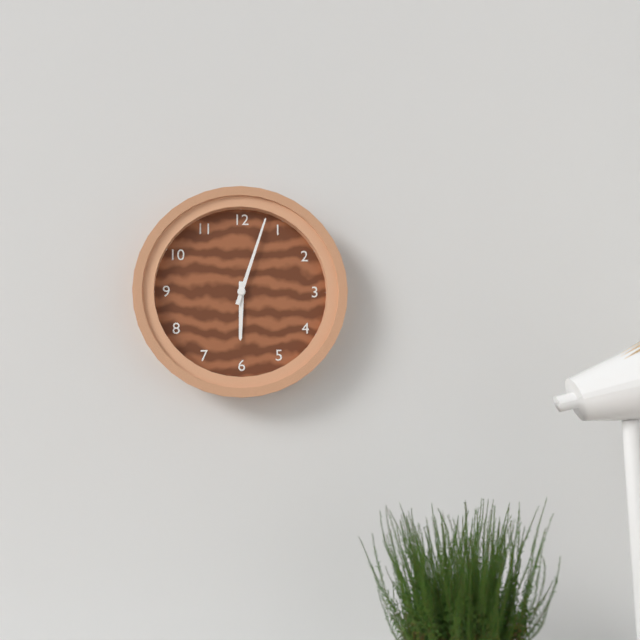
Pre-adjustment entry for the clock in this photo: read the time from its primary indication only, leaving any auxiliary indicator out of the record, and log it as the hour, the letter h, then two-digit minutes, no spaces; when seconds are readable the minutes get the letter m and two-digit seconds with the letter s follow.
6h03
